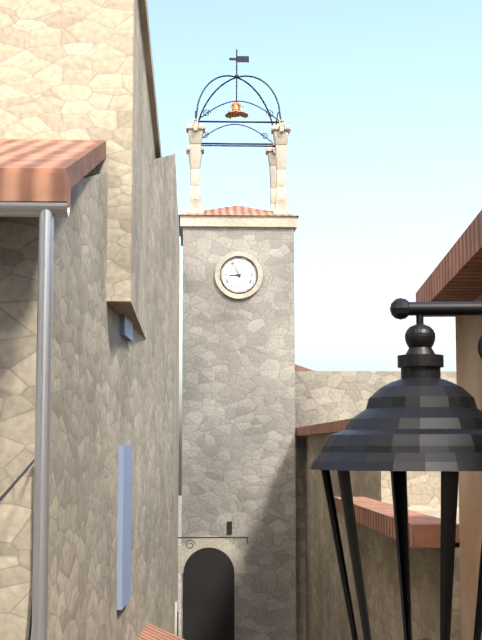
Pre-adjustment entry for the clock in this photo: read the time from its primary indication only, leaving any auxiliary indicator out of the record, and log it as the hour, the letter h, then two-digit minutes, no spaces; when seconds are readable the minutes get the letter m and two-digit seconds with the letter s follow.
8h56
